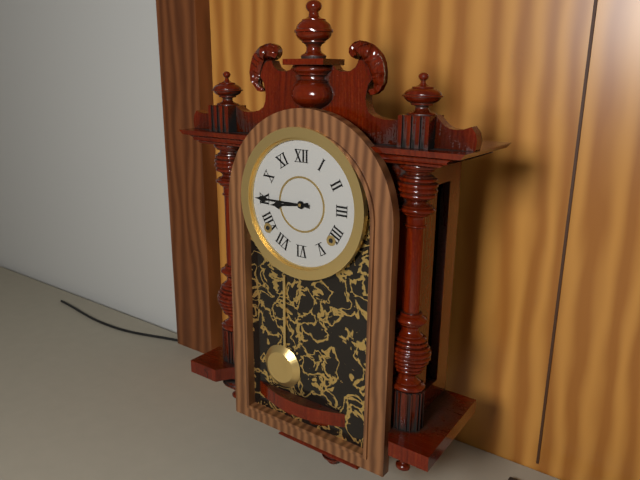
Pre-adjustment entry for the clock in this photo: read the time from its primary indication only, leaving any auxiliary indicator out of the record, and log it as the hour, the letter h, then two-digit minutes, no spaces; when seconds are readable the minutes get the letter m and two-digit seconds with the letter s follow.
8h45
